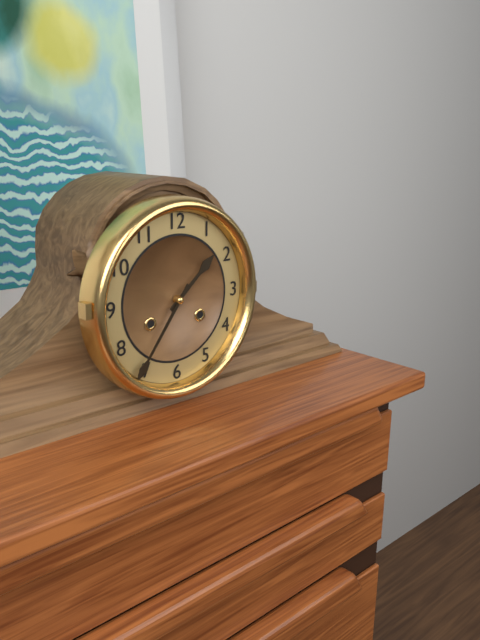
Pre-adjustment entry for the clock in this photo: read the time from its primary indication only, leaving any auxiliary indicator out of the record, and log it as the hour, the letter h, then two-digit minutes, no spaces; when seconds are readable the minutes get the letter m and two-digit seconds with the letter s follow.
1h36
